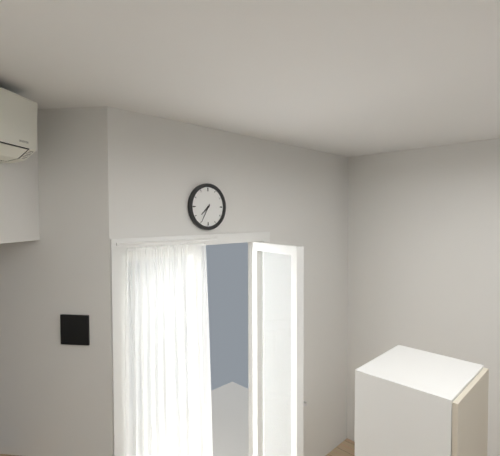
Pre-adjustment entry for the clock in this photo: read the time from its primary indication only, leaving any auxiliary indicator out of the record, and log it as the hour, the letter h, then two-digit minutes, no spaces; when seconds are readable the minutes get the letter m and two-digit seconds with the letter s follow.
7h35
